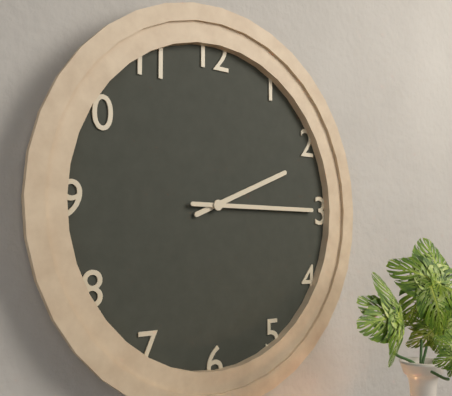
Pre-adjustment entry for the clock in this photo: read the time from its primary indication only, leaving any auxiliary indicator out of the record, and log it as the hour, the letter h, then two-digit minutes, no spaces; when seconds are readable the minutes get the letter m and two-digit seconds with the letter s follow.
2h15
